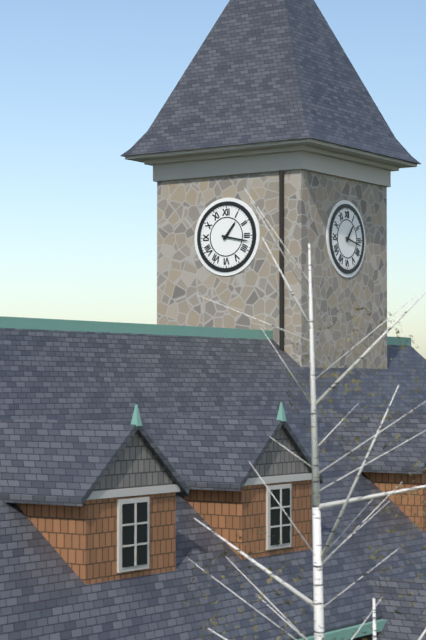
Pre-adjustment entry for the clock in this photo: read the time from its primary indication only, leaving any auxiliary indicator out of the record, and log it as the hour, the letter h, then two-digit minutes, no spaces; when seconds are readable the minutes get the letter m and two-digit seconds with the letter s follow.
1h17
